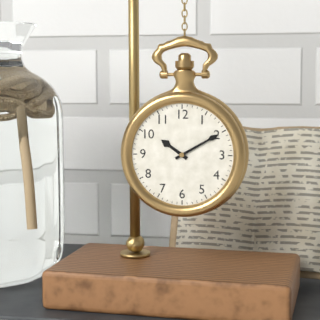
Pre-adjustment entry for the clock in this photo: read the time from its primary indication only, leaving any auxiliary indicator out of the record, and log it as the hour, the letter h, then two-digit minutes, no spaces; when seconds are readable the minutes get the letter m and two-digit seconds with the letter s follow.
10h10
